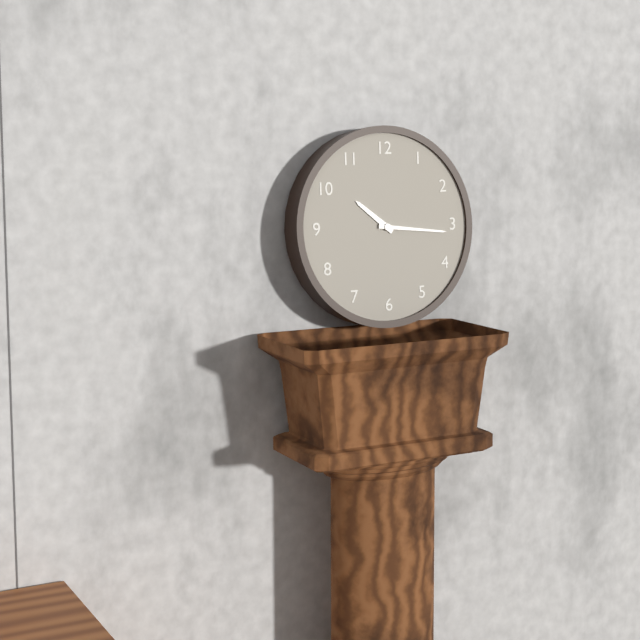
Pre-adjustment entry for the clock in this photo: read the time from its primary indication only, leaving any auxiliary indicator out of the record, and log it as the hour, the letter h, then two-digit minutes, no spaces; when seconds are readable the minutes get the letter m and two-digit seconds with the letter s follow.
10h16
